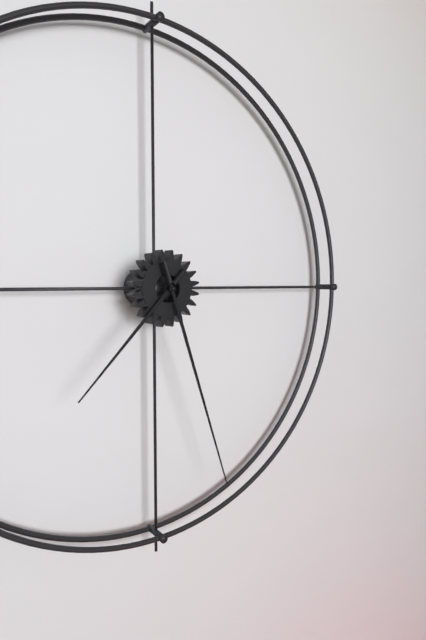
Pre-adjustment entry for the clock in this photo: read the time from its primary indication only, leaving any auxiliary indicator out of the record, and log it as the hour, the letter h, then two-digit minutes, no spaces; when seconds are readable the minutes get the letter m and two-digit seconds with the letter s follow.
7h27
